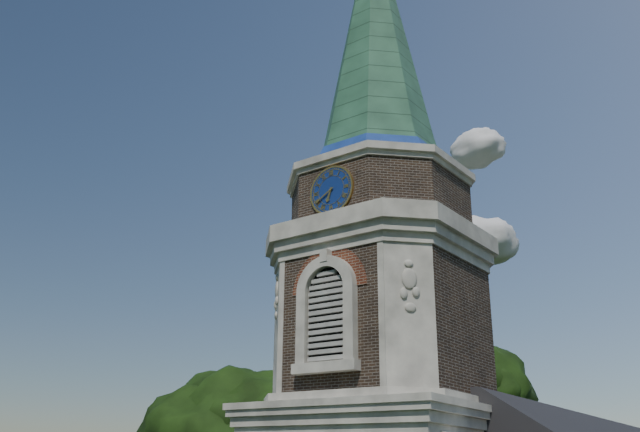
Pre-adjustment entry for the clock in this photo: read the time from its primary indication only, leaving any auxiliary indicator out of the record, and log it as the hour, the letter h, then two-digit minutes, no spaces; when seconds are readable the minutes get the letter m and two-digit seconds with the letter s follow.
6h40
